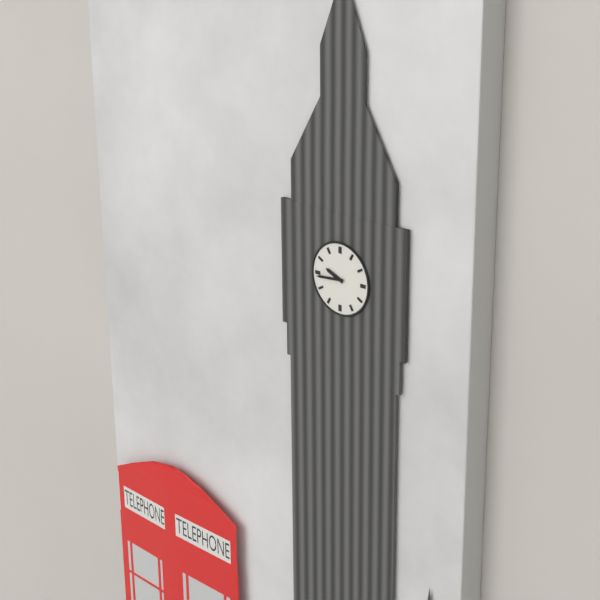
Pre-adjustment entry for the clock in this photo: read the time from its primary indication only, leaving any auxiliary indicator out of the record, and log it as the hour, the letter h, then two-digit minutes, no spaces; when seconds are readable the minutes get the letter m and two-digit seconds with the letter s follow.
9h44
